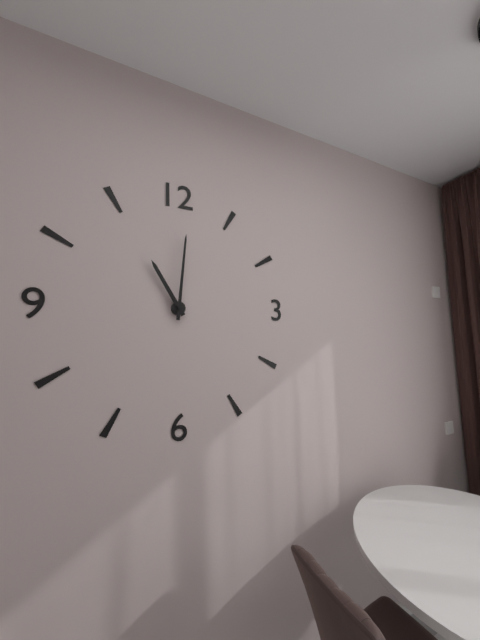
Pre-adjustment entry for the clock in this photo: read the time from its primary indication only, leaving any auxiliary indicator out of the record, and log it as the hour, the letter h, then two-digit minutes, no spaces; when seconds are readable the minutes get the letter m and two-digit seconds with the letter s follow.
11h01
